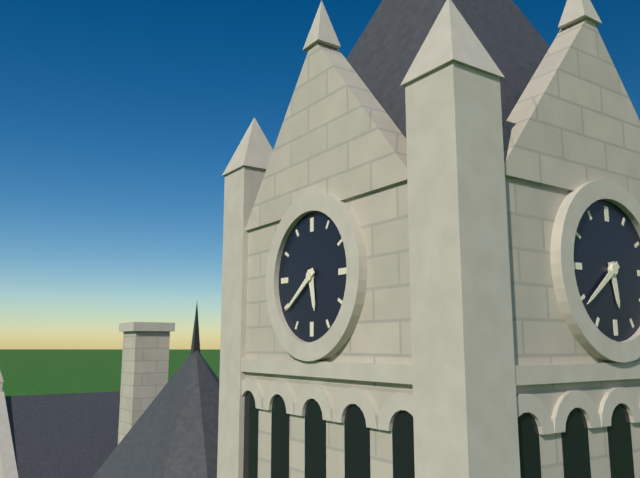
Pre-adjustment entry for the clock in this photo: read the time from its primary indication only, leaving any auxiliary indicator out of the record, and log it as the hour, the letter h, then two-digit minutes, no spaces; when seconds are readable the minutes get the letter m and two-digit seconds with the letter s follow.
5h39
